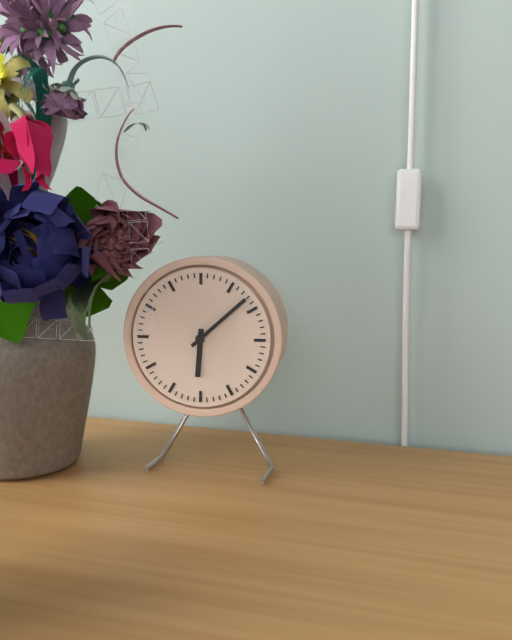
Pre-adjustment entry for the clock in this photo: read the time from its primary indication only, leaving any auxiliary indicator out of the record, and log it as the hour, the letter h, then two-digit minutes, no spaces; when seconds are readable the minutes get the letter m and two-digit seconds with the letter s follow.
6h08
